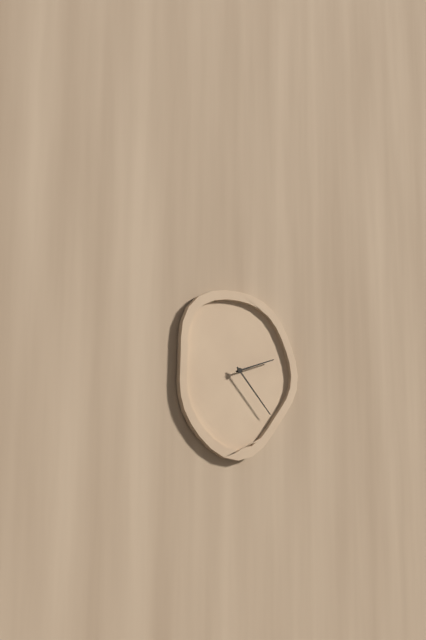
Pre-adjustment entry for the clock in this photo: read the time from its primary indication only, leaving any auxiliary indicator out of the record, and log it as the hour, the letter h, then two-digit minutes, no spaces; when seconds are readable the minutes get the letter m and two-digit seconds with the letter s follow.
2h23
